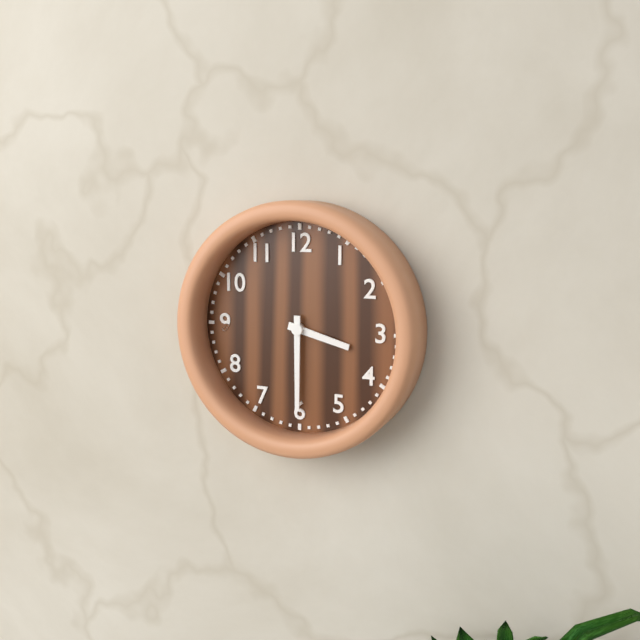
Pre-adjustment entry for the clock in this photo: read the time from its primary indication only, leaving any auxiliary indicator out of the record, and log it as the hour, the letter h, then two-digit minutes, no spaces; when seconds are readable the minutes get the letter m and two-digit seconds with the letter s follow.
3h30
